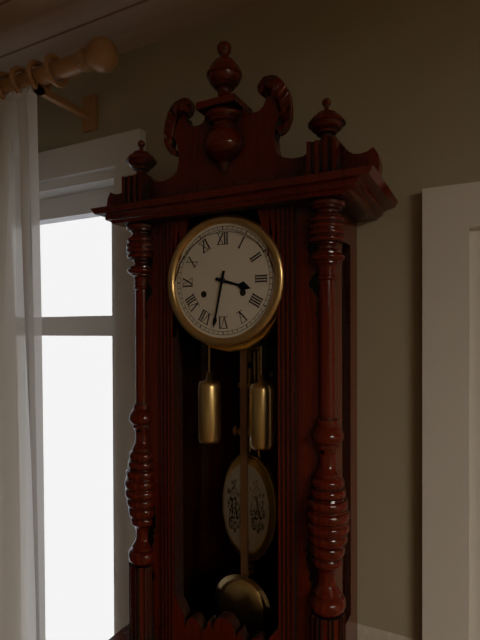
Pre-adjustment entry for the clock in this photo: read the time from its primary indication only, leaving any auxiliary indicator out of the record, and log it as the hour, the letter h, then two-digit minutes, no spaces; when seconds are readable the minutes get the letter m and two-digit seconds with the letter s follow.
3h32
